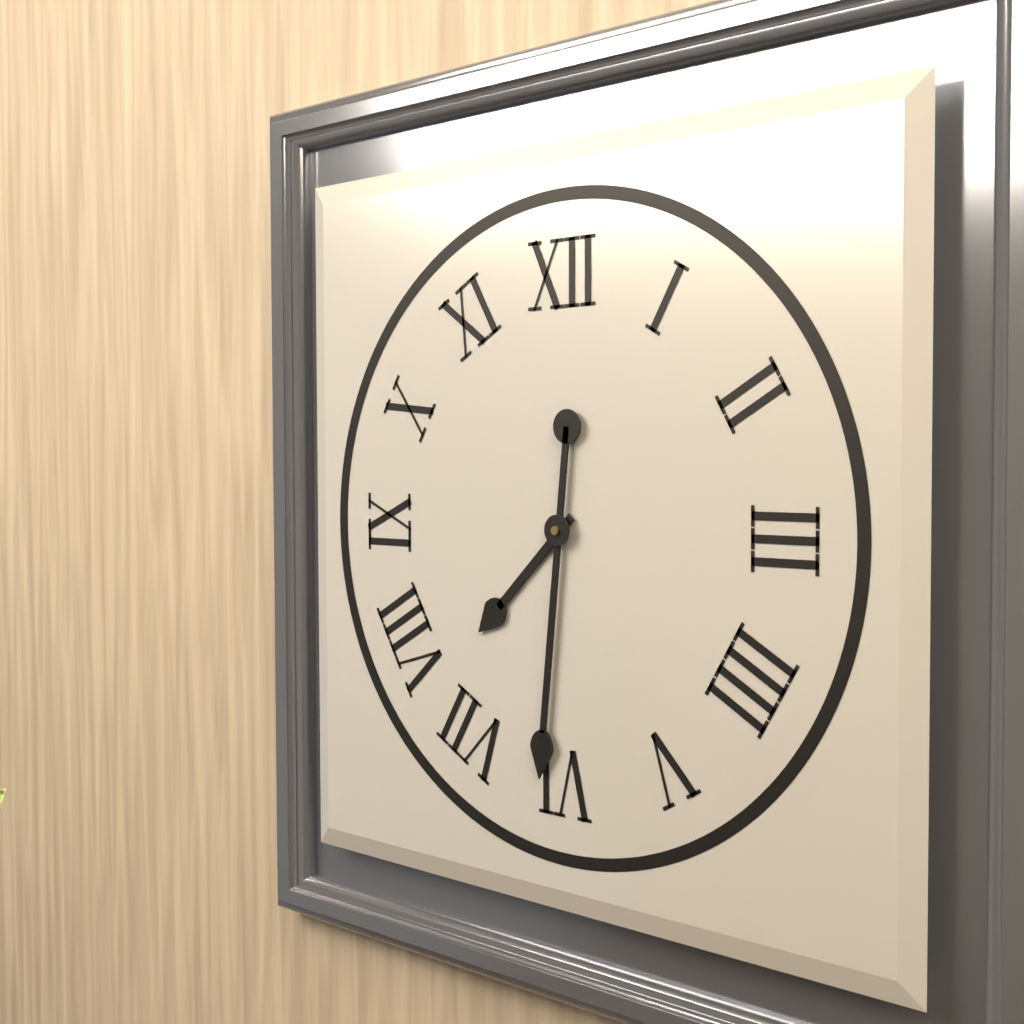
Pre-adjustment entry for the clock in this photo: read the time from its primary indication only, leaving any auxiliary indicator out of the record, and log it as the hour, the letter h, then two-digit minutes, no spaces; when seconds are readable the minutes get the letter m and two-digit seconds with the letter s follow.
7h31
